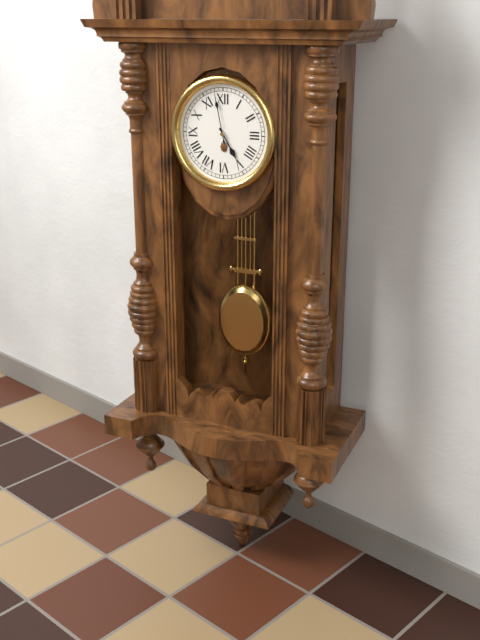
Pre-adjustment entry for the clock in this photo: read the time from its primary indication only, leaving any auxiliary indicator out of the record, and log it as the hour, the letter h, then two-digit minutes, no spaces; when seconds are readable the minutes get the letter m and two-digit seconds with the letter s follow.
4h58
